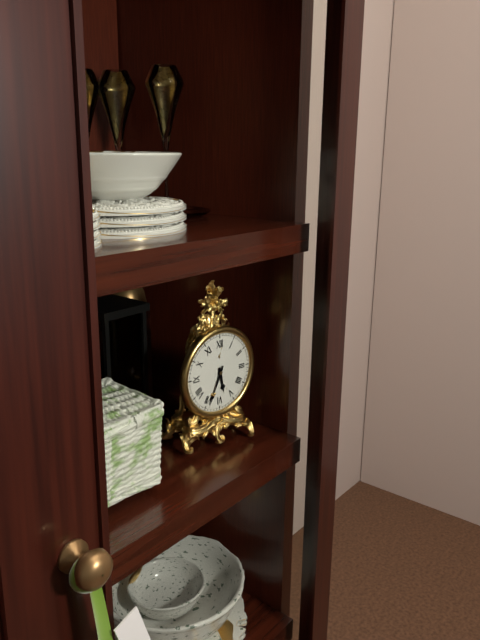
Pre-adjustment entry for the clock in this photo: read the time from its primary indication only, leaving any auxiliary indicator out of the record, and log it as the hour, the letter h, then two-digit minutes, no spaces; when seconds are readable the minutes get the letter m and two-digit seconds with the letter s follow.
5h34
